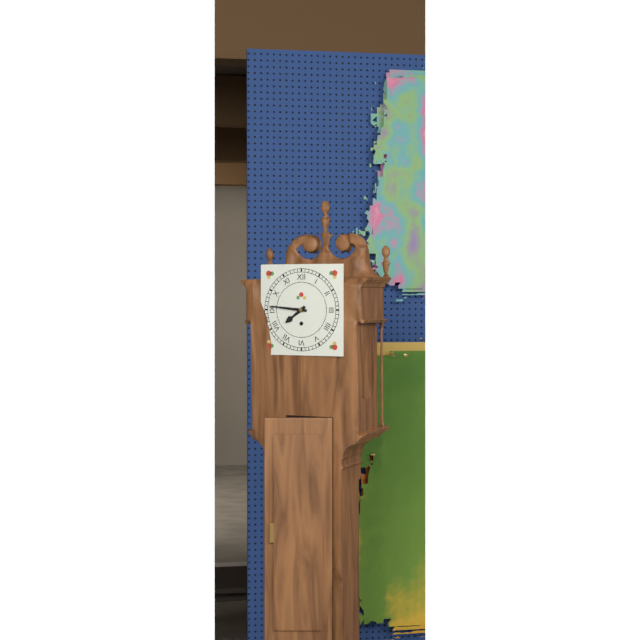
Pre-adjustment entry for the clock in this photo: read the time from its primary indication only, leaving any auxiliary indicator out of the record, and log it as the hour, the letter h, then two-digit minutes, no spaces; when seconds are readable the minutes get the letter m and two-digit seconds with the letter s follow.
7h46
